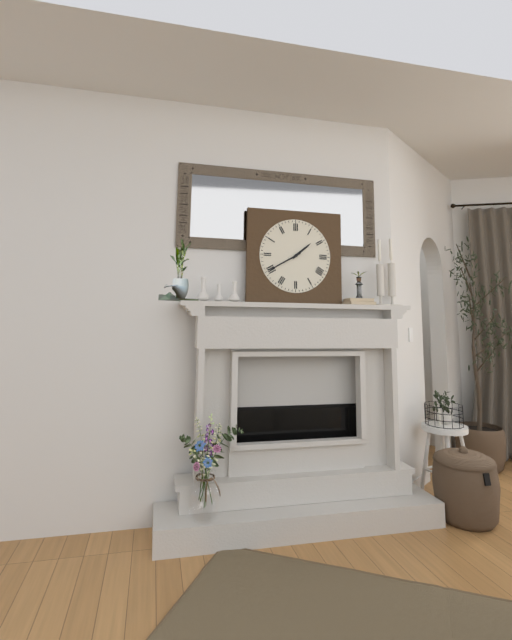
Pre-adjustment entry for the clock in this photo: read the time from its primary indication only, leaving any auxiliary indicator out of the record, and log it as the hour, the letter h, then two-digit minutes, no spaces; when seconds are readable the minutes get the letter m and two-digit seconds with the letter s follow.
1h40
